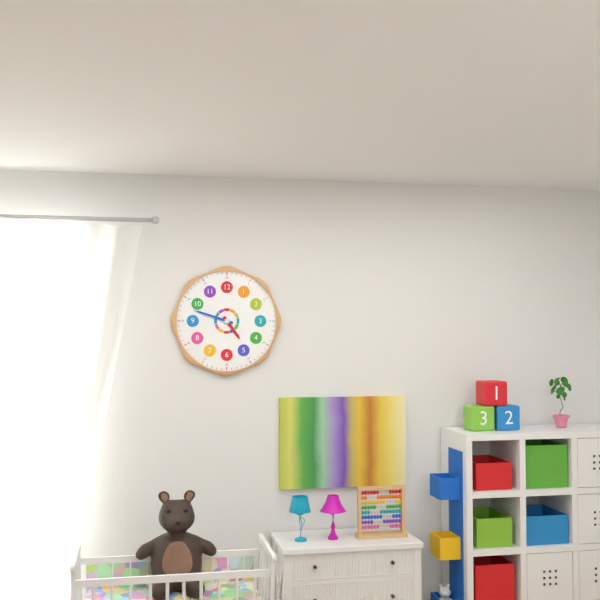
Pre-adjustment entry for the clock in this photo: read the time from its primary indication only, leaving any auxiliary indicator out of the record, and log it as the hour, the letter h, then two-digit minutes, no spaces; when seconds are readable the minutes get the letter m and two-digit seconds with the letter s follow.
4h48
